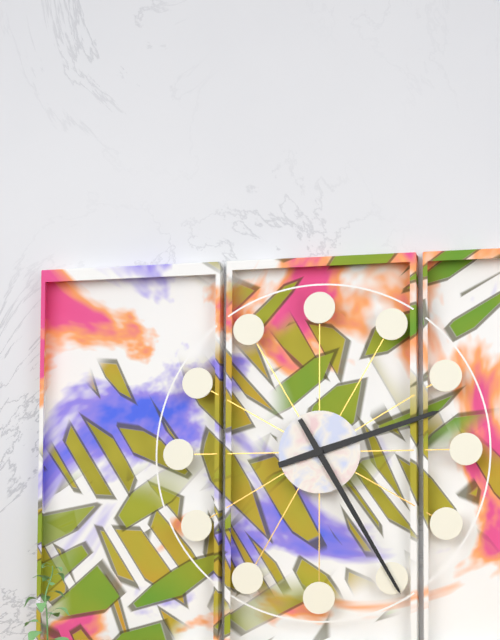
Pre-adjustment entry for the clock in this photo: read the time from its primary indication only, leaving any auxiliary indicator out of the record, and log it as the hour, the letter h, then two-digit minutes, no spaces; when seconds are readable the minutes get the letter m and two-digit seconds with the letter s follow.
2h25
